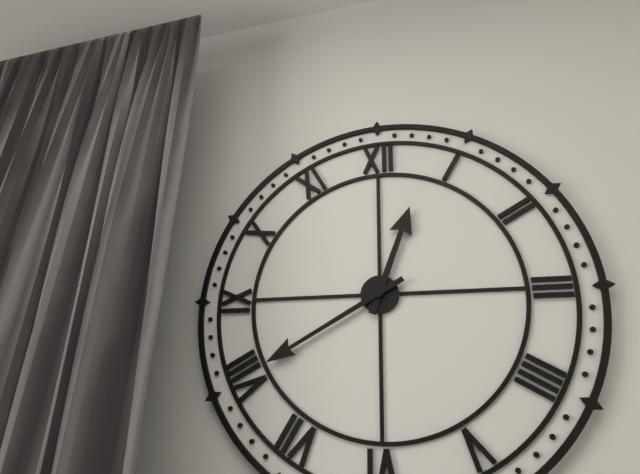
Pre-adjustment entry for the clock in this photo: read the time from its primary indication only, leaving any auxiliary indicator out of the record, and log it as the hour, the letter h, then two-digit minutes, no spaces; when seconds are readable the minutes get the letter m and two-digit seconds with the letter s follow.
12h40
